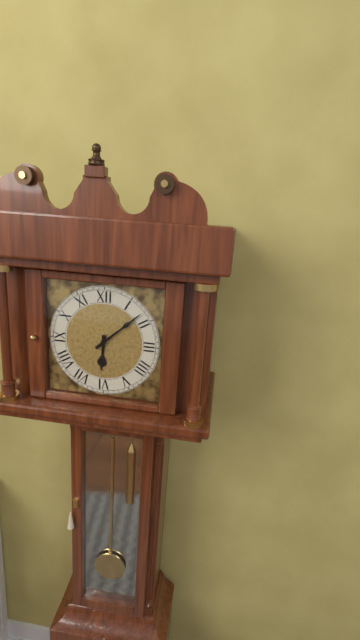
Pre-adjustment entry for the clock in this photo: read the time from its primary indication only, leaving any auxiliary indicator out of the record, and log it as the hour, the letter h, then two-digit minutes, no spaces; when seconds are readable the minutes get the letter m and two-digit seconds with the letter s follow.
6h08
